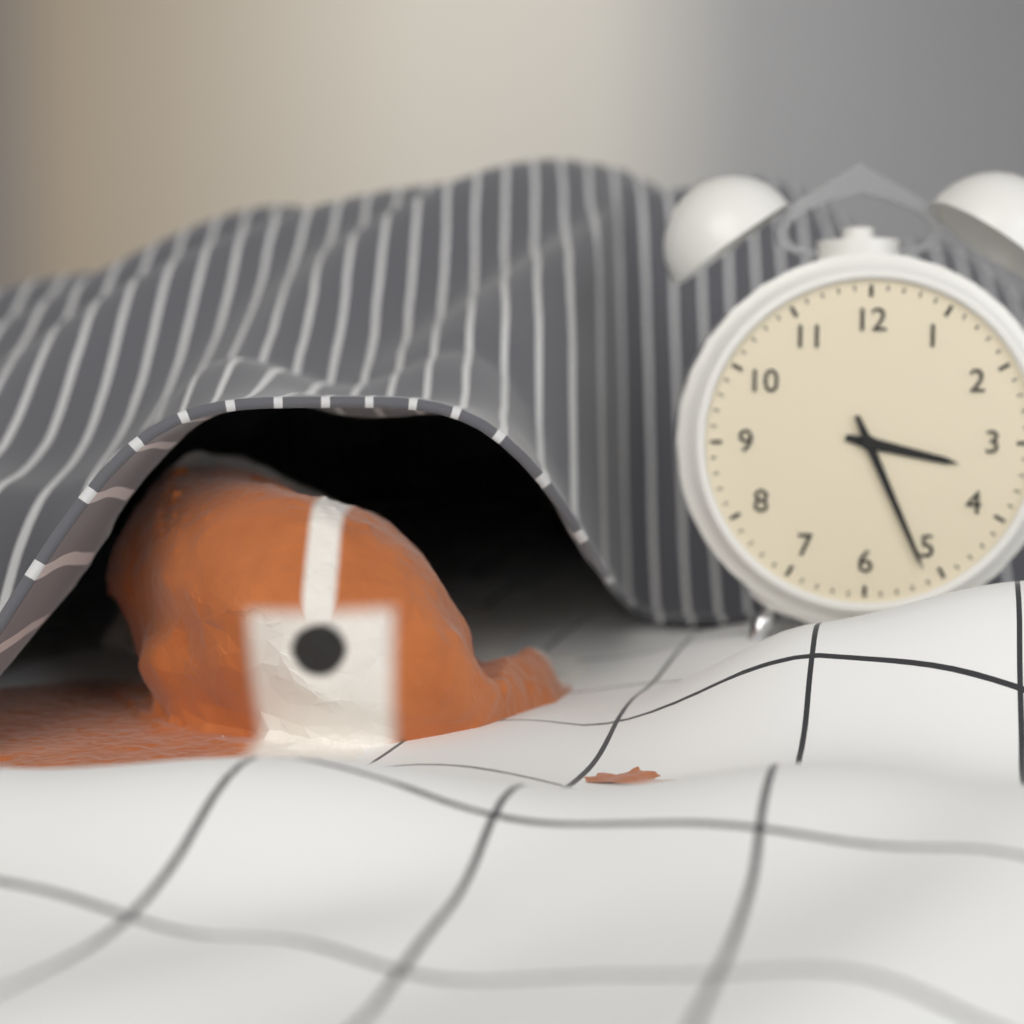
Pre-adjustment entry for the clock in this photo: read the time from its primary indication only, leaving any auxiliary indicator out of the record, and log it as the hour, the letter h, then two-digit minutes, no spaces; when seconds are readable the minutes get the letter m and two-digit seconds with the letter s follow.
3h26
